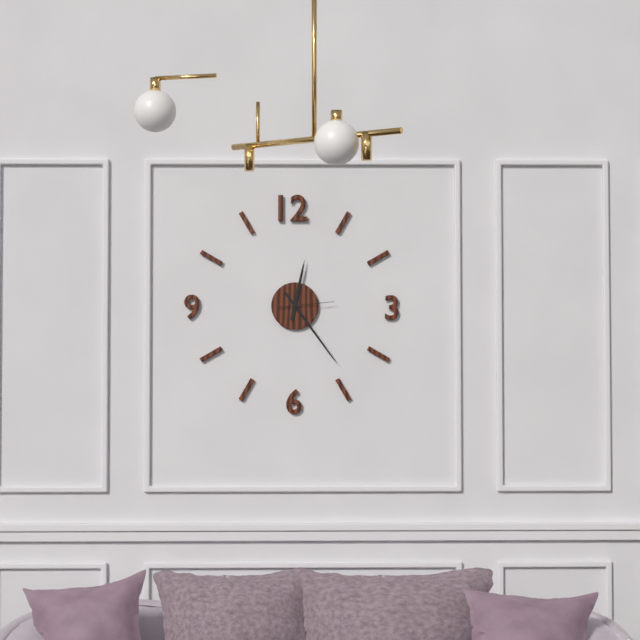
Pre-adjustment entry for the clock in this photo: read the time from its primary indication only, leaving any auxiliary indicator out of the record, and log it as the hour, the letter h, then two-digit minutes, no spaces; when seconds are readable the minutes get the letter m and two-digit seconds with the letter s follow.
12h24
